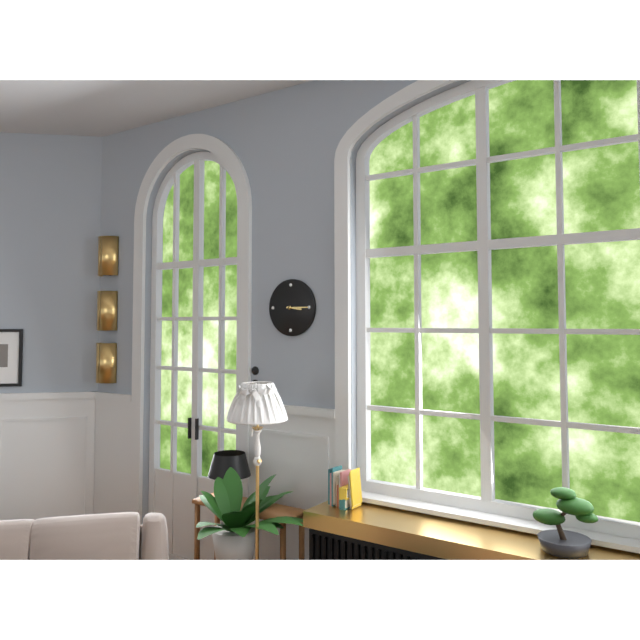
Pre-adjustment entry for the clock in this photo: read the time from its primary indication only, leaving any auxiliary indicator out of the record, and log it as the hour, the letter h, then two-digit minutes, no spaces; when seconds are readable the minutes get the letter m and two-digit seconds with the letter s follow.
3h15
